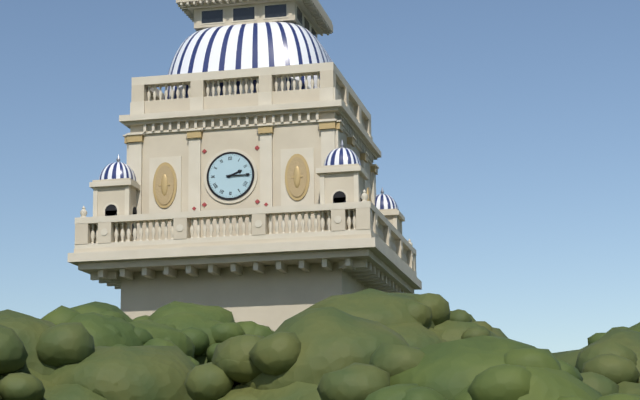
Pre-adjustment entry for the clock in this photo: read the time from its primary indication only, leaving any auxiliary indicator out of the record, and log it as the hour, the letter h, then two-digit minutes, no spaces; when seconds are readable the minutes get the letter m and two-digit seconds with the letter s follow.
2h15
